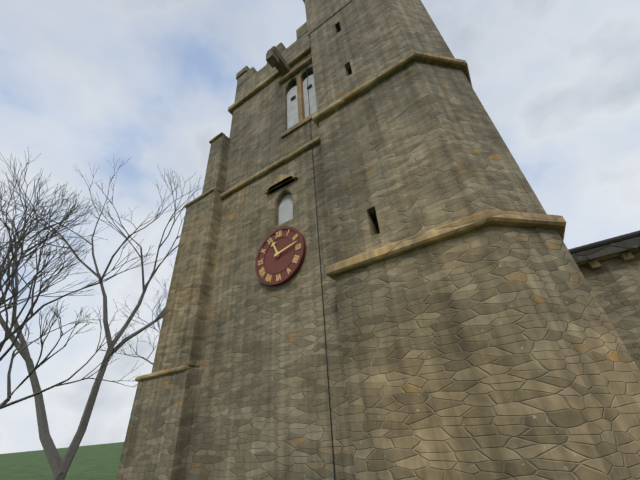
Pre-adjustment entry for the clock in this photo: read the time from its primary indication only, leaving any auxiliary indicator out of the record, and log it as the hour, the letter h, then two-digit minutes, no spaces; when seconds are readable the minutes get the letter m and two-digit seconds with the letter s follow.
11h13
